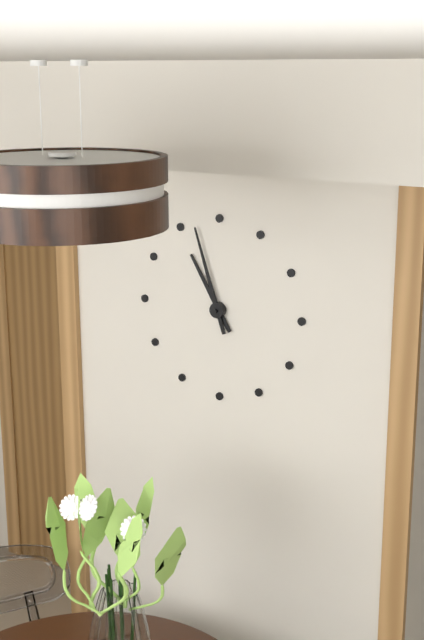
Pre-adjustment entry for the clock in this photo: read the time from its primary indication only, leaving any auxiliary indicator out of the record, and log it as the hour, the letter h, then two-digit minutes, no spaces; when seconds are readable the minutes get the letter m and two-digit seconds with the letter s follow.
10h57
